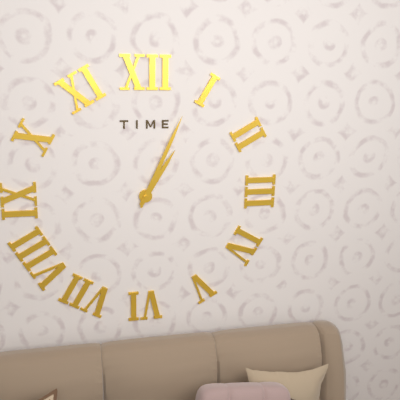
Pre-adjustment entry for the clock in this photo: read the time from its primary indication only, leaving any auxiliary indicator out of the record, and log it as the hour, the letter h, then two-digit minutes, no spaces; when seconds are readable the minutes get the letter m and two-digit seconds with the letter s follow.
1h04
